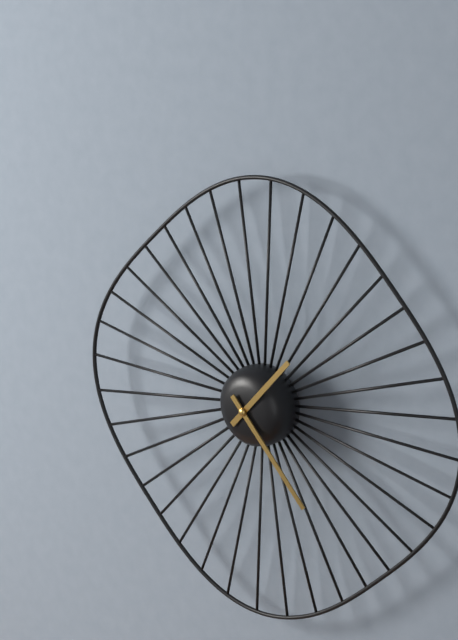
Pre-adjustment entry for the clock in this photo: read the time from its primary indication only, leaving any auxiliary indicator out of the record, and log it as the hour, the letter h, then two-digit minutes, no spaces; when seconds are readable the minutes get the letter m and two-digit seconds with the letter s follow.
1h23
